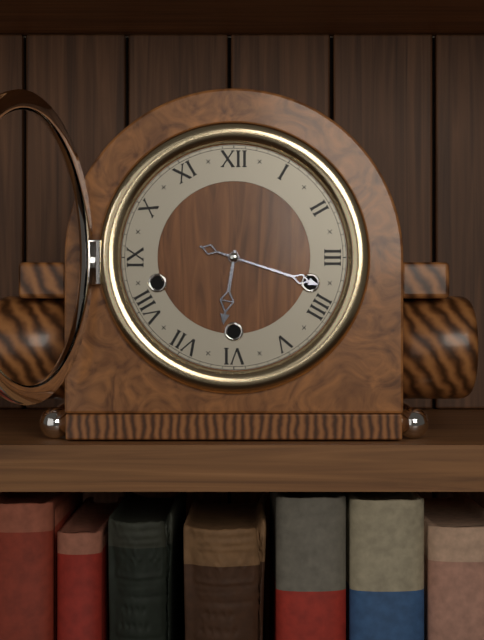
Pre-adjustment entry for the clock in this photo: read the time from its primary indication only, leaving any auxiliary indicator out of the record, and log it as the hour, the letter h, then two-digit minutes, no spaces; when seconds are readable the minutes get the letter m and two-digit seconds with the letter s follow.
6h18
